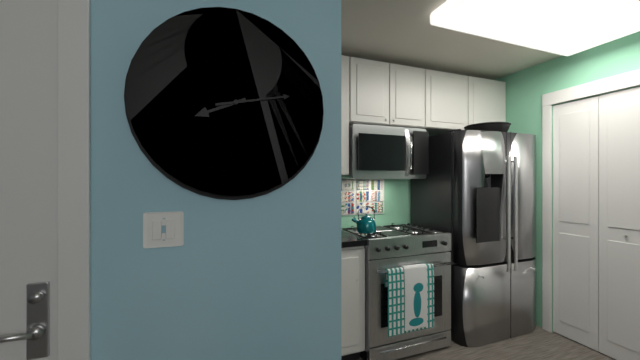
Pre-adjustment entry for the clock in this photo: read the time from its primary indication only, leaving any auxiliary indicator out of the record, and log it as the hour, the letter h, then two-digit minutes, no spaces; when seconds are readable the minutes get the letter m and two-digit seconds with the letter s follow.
8h13
